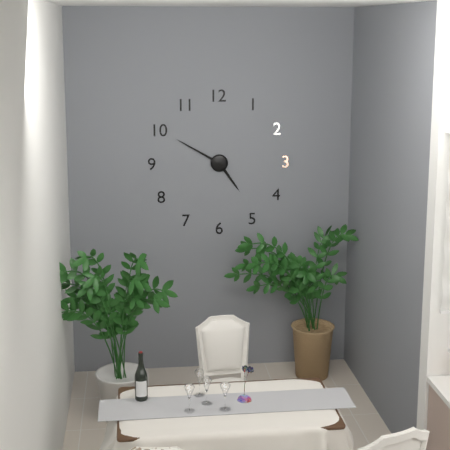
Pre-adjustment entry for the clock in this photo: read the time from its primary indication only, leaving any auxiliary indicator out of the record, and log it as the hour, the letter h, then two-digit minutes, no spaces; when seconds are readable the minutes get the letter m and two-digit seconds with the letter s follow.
4h50
